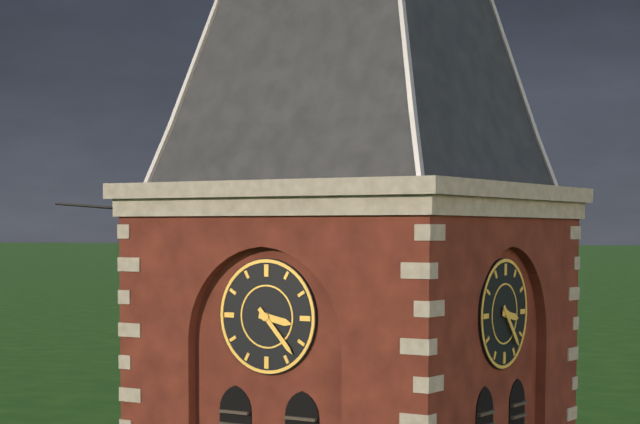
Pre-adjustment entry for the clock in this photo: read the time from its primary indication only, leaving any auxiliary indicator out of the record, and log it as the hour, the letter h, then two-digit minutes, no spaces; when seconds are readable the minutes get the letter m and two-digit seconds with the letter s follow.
3h23
